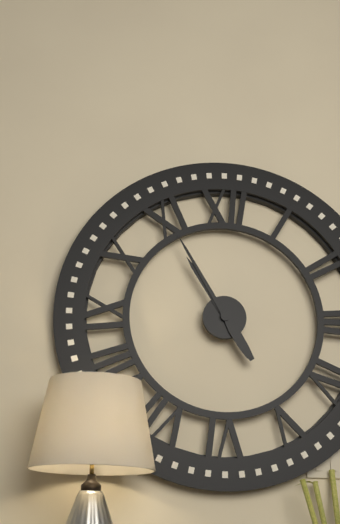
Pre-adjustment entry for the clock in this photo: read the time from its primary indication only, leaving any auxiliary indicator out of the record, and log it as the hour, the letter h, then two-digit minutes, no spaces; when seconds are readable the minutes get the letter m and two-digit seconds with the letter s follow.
10h55
